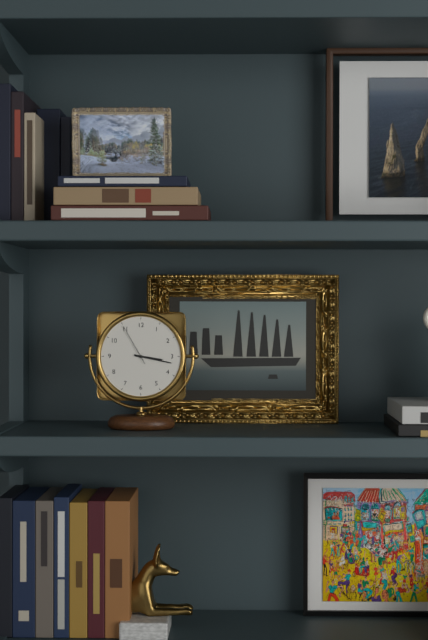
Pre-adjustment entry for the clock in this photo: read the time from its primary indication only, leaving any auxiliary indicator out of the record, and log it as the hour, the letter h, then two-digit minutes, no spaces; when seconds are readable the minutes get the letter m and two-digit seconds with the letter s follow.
3h17
